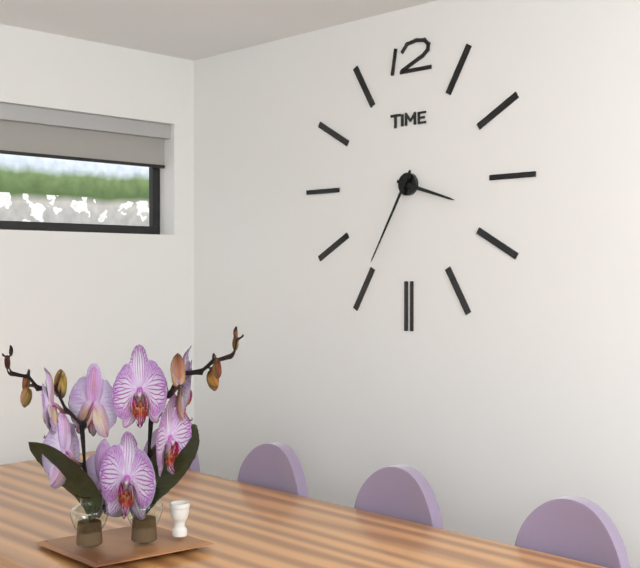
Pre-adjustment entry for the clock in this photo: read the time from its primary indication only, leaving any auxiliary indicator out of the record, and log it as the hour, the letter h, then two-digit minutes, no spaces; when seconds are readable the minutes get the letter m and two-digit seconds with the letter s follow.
3h35
